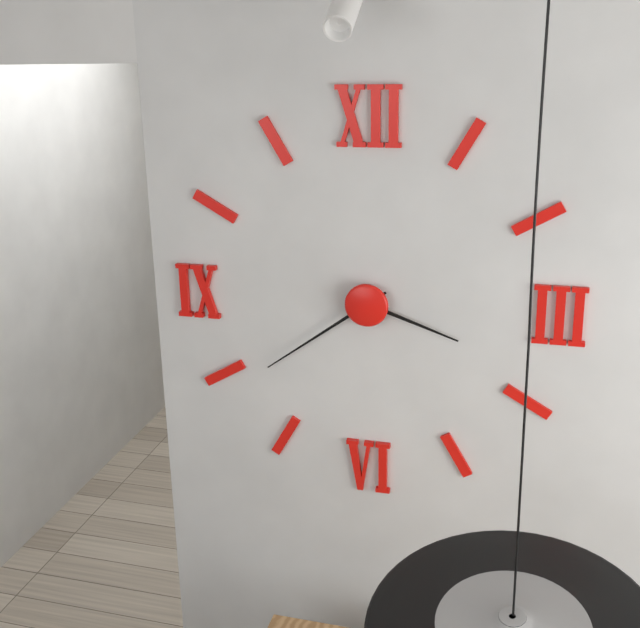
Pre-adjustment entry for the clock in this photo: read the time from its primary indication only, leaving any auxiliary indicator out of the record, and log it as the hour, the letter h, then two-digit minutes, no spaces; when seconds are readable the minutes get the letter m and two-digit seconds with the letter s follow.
3h39
